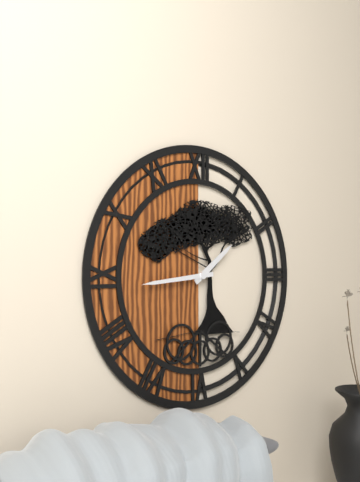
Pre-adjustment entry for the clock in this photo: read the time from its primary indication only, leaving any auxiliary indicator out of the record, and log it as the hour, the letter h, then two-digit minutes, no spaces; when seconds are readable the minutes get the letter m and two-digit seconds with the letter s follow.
1h44
